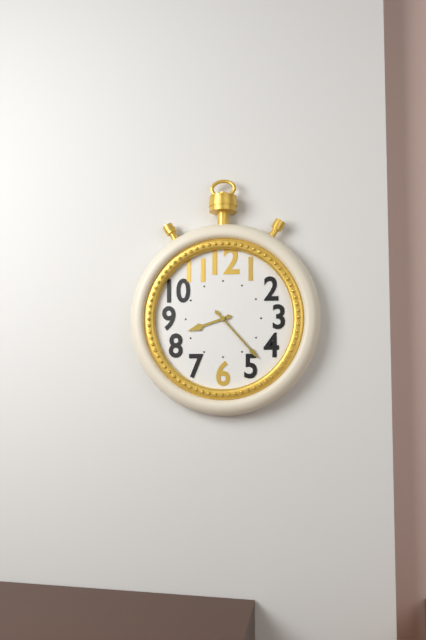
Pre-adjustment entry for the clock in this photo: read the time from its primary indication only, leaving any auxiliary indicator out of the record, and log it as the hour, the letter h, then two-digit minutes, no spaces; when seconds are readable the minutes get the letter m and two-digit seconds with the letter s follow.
8h23
